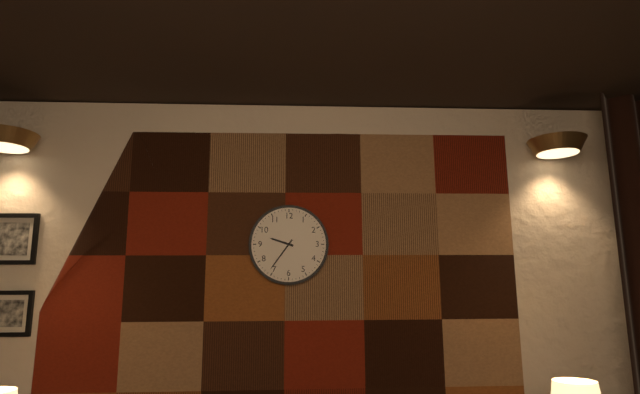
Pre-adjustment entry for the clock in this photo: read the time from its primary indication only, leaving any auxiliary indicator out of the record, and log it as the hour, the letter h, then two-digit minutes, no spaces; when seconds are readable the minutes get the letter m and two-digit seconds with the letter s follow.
9h36
